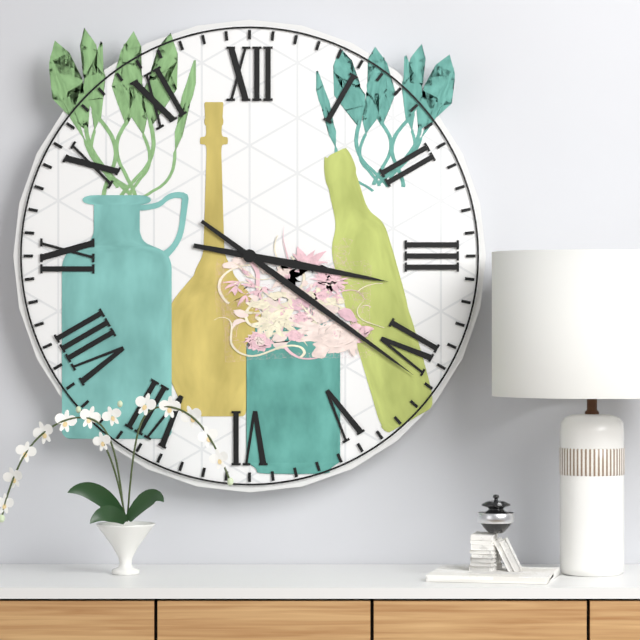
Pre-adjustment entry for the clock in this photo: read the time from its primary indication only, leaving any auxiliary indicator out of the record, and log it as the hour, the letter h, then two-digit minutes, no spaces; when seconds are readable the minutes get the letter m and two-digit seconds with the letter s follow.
3h21
